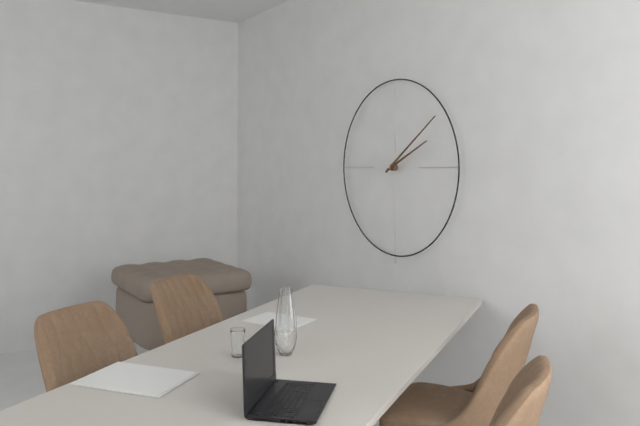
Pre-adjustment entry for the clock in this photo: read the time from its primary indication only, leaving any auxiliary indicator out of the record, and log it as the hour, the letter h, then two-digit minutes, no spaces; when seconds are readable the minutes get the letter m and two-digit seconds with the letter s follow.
2h09
